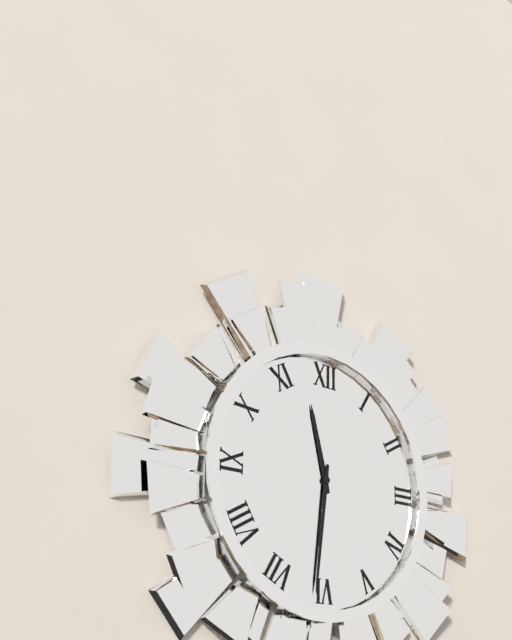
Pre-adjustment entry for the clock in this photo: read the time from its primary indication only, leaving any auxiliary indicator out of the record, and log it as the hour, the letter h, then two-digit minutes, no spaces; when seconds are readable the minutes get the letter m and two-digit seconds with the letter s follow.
11h31
